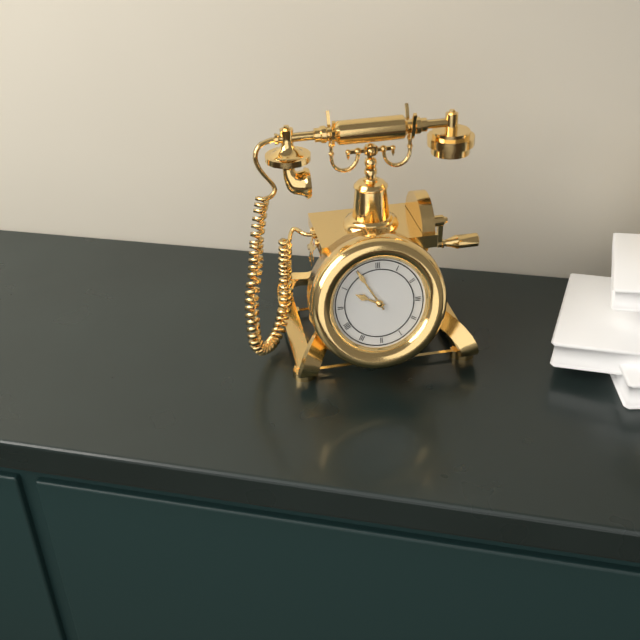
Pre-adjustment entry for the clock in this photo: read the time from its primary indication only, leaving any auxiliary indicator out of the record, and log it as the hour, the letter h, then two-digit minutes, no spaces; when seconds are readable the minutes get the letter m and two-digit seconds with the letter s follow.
9h55
